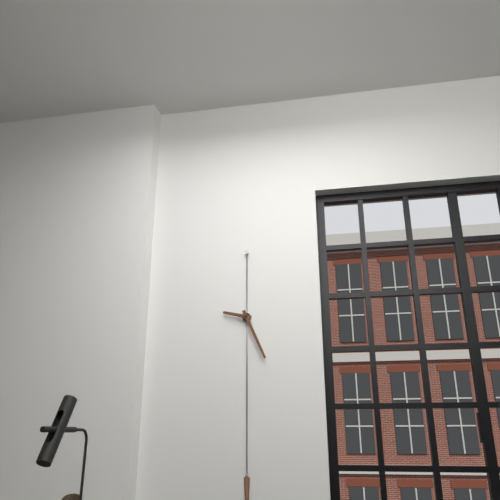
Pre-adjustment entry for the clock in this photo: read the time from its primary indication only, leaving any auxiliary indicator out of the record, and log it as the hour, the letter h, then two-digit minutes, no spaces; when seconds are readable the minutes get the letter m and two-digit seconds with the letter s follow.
9h26
